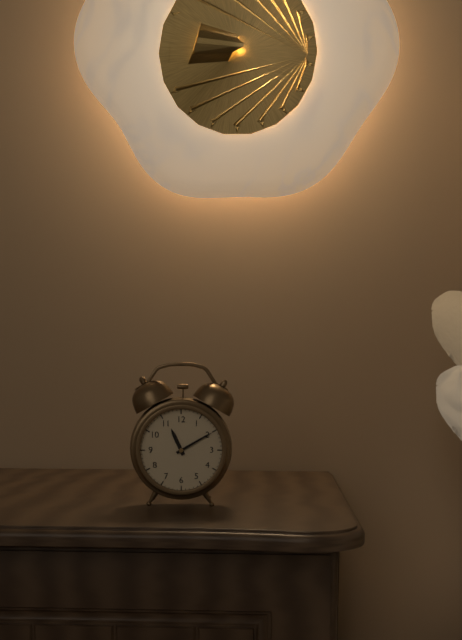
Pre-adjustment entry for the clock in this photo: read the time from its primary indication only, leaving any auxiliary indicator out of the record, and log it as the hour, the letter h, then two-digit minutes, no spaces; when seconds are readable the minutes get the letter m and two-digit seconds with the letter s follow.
11h10
